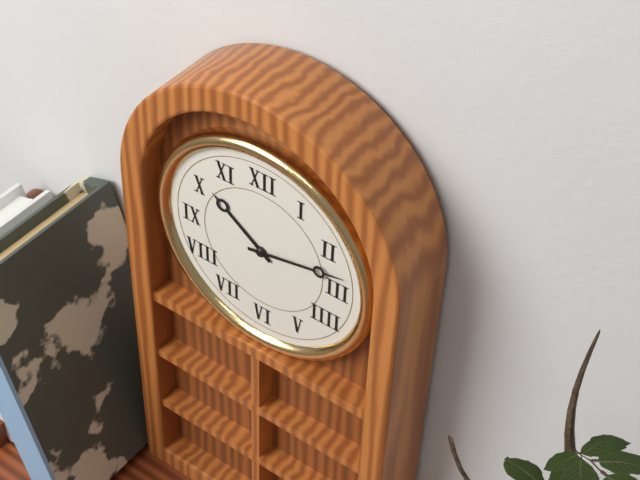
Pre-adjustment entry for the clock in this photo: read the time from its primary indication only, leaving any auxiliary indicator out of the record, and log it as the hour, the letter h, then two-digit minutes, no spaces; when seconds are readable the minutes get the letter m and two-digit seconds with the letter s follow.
10h13
